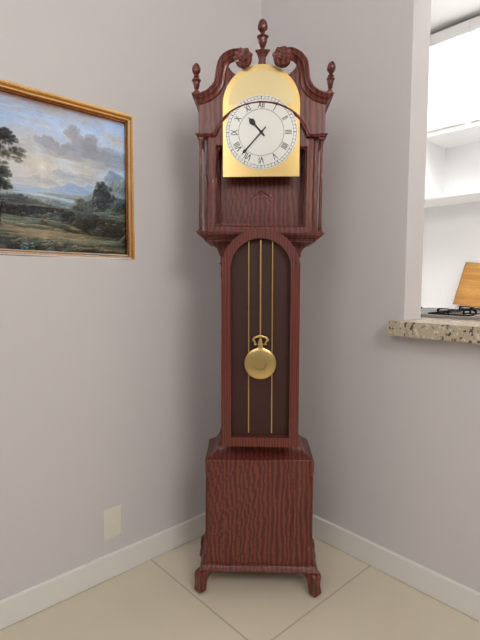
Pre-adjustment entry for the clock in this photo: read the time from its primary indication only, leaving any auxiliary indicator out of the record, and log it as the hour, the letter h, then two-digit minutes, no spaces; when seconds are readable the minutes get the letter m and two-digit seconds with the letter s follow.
10h37
